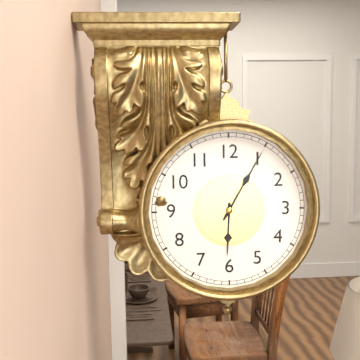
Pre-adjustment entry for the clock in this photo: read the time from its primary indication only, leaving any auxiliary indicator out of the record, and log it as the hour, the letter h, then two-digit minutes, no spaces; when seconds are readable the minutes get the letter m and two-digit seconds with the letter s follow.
6h05
